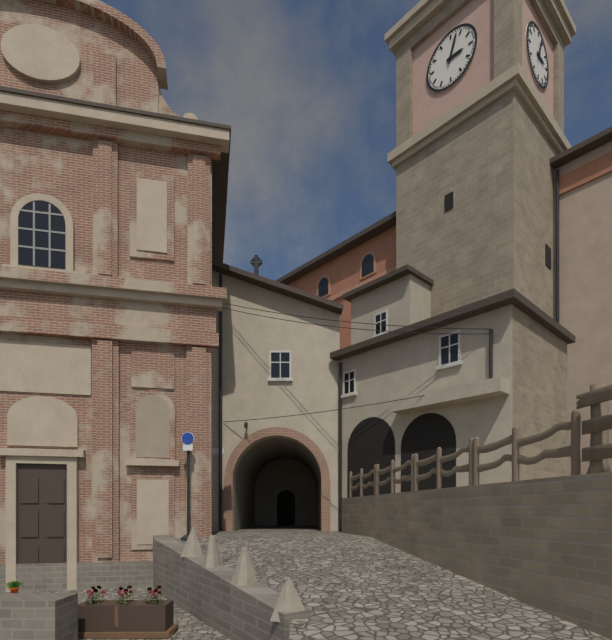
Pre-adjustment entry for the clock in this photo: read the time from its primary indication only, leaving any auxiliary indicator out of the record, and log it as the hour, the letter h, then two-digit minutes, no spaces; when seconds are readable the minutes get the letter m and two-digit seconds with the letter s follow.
3h03
